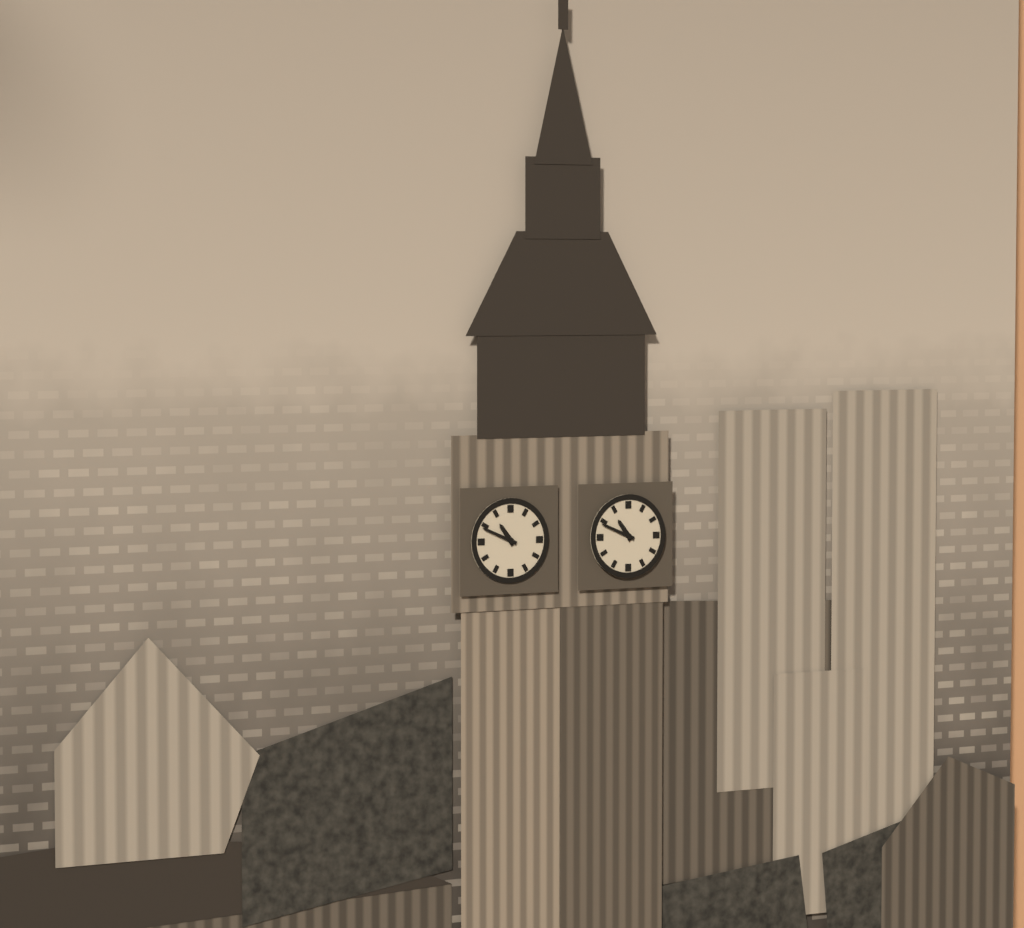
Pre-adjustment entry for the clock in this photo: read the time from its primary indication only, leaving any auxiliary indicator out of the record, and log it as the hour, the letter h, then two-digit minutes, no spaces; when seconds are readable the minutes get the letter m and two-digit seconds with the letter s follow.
10h49
